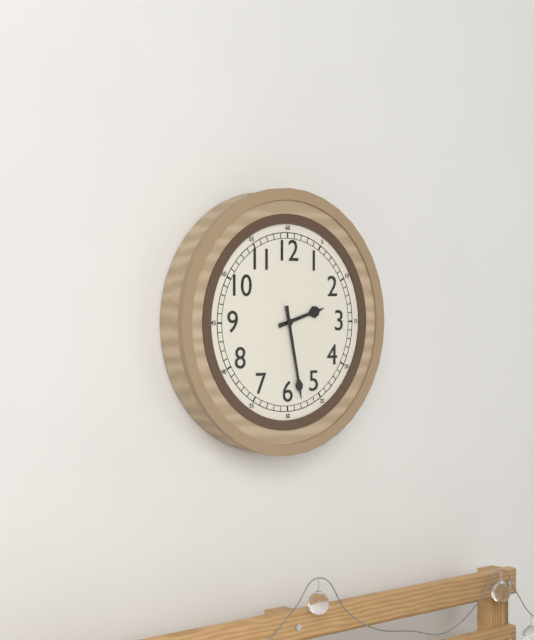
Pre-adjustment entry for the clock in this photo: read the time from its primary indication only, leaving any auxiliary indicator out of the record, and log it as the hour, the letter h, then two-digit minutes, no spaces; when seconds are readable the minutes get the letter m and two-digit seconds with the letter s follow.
2h28
